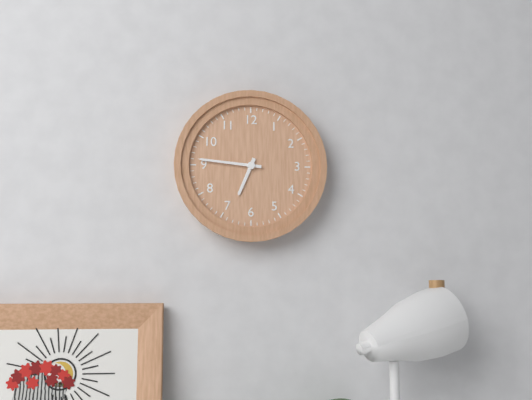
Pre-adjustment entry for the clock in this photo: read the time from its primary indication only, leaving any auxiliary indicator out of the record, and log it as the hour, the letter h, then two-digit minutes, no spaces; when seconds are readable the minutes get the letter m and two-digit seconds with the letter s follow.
6h46
